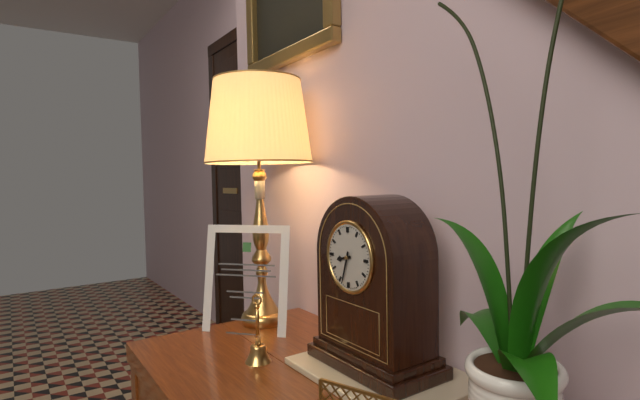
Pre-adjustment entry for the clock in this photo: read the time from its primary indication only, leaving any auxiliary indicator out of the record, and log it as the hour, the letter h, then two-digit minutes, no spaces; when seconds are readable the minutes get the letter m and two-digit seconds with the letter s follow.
8h33
